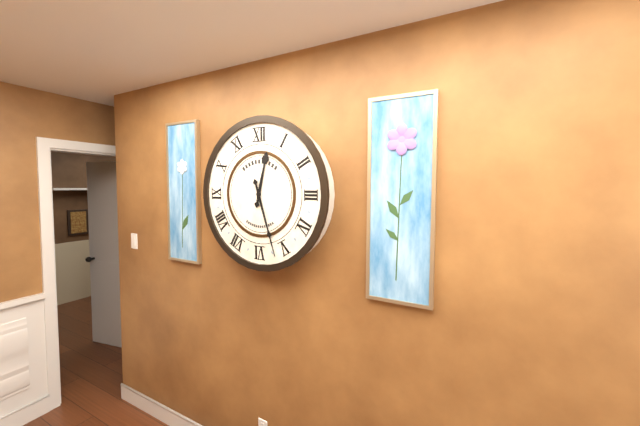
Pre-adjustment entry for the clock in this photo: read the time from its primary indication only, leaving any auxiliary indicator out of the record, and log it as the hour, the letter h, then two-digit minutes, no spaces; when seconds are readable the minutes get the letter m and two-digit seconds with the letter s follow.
12h27
